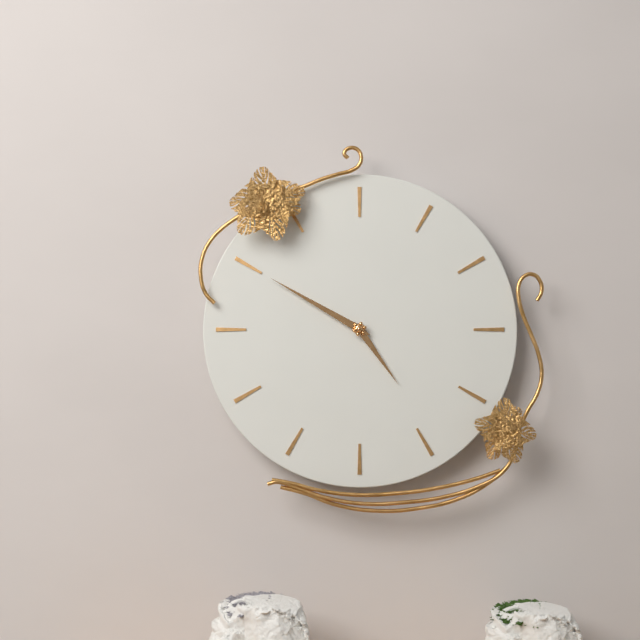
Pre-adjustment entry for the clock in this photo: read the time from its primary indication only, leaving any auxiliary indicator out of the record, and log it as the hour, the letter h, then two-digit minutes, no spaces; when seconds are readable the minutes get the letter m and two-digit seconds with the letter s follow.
4h50
